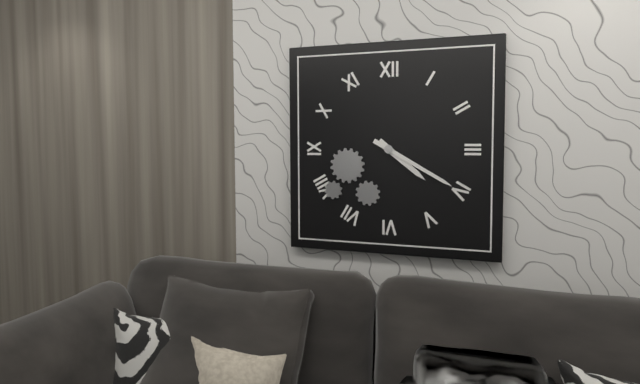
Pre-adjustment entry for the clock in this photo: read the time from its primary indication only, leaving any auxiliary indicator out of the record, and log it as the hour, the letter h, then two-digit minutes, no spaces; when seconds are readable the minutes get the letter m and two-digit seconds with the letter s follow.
4h20
